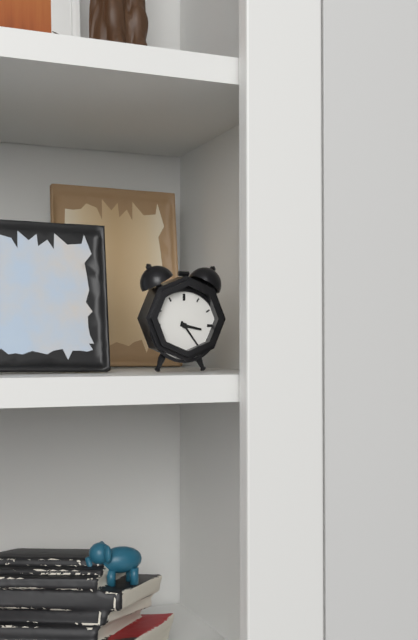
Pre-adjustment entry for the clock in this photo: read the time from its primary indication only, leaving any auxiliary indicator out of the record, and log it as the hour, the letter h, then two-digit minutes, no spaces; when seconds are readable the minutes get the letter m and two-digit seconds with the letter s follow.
3h24
